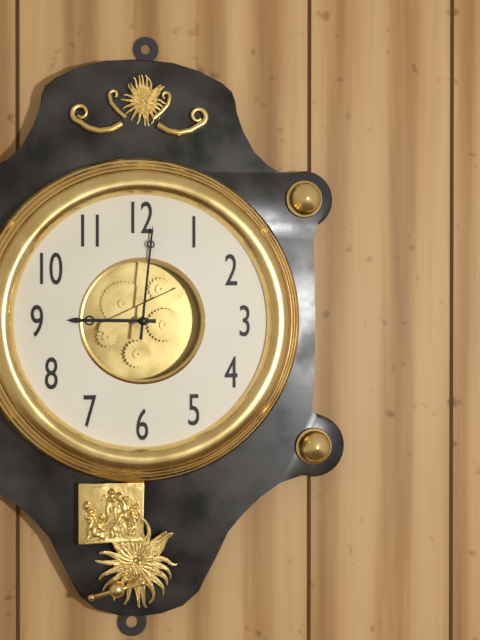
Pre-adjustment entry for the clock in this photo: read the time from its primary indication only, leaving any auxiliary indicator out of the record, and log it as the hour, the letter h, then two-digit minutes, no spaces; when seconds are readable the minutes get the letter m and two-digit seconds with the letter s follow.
9h01
